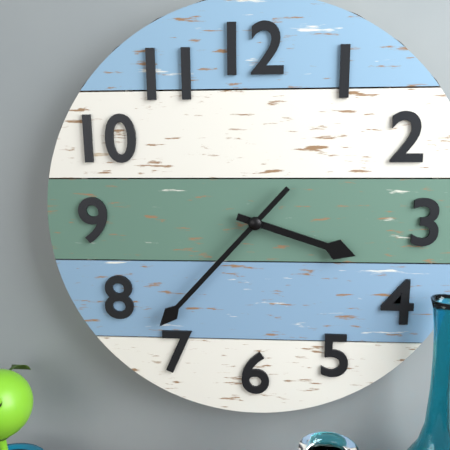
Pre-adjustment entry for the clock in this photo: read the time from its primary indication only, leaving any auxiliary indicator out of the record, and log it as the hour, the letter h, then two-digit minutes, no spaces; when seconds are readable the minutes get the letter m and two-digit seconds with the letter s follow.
3h37
